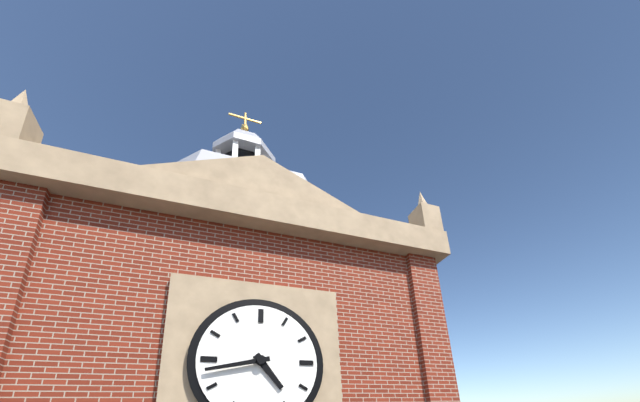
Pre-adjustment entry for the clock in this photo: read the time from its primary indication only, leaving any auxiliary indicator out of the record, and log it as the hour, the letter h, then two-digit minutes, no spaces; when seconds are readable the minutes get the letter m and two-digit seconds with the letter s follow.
4h43
